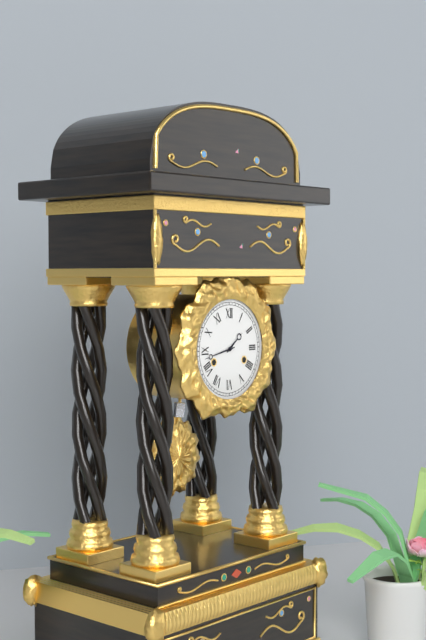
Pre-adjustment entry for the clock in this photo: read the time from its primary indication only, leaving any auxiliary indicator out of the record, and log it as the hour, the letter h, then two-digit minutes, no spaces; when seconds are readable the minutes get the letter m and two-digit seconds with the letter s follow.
1h43
